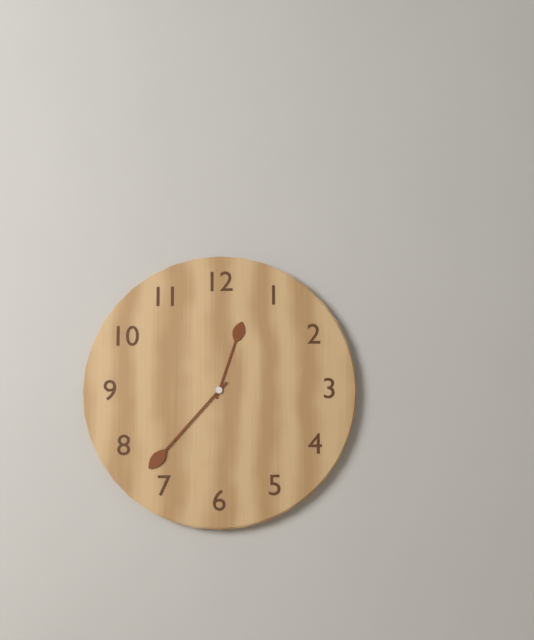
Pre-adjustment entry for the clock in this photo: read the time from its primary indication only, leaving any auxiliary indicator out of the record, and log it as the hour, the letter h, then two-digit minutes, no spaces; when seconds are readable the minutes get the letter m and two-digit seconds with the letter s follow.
12h37
